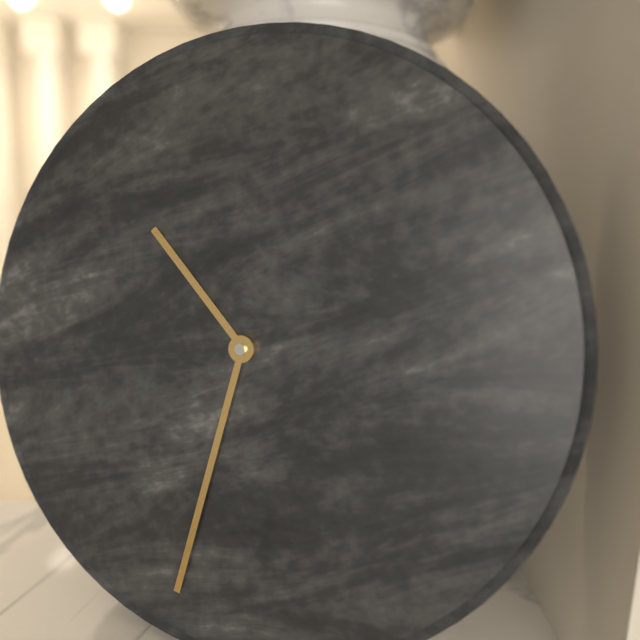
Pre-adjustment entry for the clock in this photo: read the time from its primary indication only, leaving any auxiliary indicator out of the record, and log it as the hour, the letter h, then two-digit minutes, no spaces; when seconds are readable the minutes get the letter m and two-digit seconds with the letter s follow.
10h32
